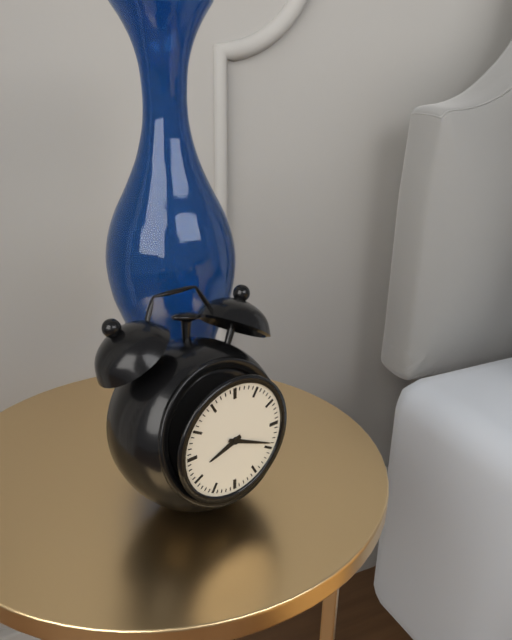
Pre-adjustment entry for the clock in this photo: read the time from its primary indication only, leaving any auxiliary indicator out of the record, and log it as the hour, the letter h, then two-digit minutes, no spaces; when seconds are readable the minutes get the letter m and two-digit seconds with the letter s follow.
8h19
